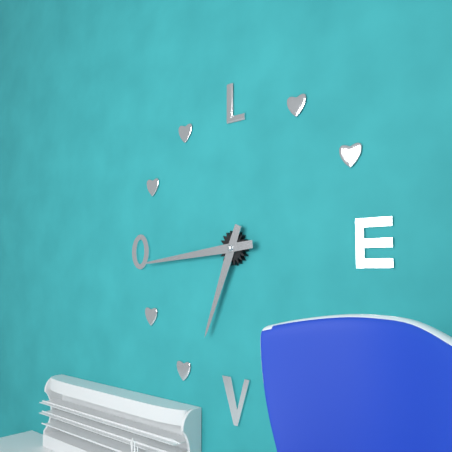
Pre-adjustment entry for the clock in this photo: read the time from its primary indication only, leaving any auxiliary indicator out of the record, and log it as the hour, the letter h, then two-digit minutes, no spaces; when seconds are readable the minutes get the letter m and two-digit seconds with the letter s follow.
6h44
